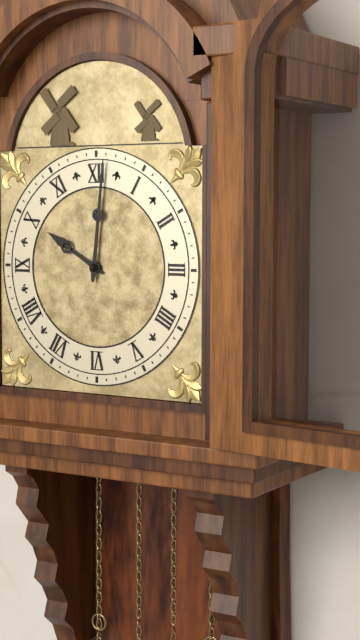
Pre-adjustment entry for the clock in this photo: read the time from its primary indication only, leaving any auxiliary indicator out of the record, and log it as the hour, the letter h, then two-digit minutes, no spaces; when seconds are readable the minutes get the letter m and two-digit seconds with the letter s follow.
10h01
